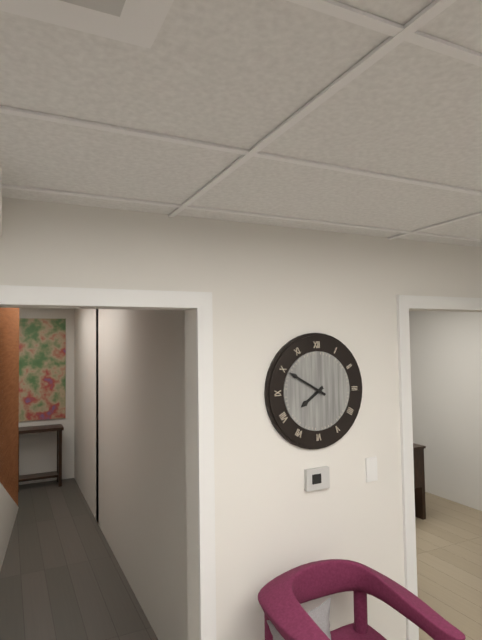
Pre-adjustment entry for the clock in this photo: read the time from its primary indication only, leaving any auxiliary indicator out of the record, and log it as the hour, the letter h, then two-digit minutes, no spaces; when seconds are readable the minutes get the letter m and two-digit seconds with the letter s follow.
7h50
